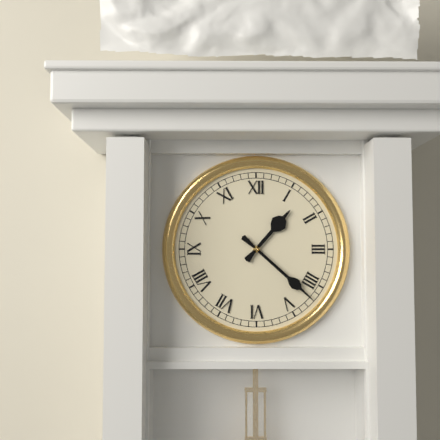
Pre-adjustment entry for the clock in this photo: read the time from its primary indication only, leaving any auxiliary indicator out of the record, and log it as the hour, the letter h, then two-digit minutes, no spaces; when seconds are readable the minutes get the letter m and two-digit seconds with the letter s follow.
1h22
